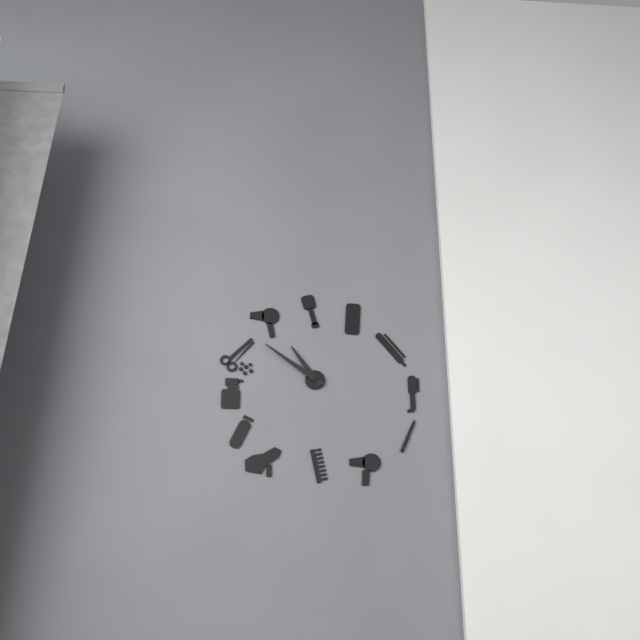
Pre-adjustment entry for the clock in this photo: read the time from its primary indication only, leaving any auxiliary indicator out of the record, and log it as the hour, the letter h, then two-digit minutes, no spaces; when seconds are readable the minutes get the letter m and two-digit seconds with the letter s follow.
10h51
